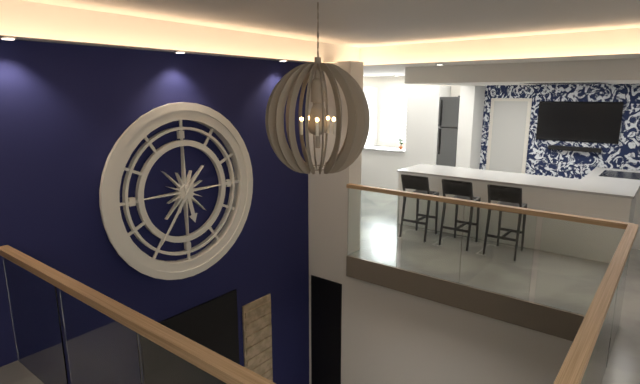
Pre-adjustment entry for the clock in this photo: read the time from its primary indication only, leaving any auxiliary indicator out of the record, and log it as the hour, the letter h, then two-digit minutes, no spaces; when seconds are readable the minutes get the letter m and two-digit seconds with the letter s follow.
5h36
